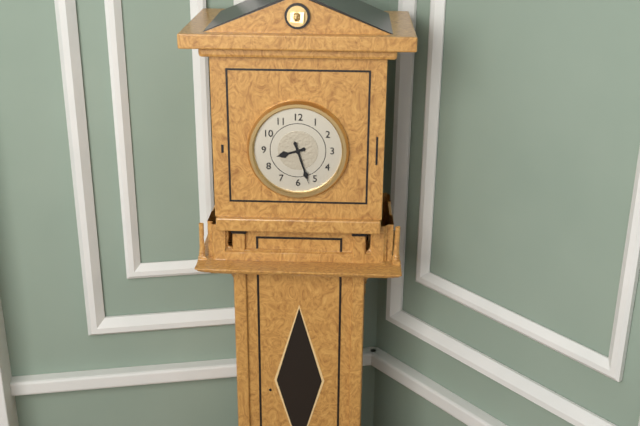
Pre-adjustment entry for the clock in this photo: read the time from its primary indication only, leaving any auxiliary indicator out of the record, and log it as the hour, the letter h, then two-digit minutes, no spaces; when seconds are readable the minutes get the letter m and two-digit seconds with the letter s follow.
8h27
